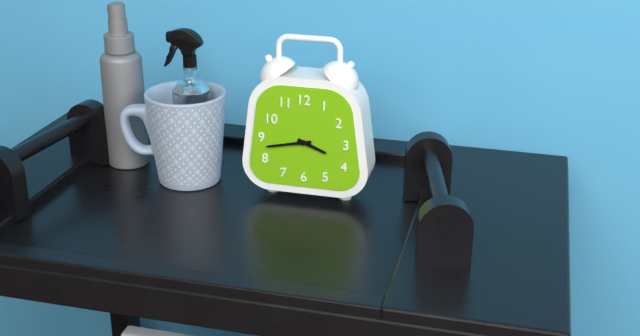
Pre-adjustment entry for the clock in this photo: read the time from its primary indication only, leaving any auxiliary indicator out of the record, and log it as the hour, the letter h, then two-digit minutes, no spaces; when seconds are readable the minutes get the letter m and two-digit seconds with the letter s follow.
3h43
